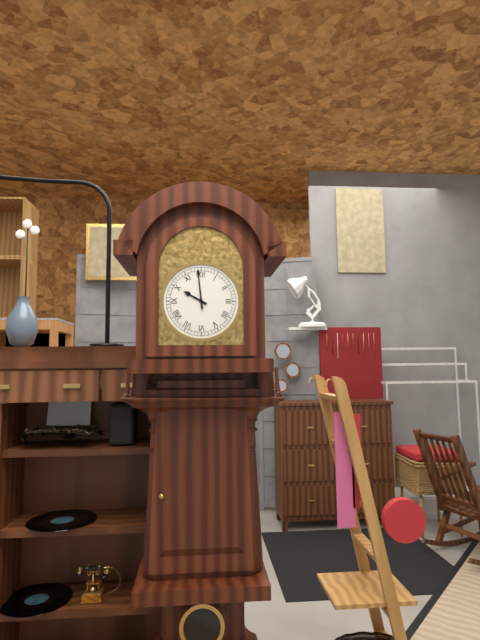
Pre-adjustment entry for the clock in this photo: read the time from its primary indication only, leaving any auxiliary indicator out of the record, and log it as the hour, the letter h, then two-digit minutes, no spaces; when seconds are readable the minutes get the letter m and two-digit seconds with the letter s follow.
9h59
